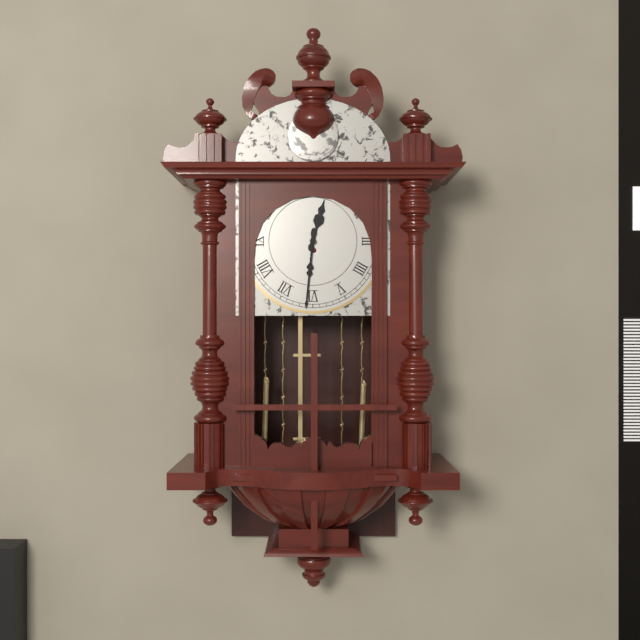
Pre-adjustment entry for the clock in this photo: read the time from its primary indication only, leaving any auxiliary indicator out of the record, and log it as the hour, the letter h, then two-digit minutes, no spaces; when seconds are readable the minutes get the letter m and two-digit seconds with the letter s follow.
12h31
